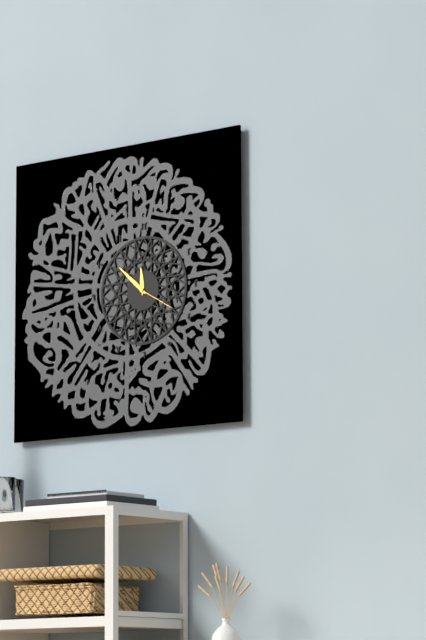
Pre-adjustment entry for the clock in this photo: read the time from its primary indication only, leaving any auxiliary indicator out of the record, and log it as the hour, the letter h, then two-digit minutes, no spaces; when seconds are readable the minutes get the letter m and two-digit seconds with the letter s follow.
11h52
